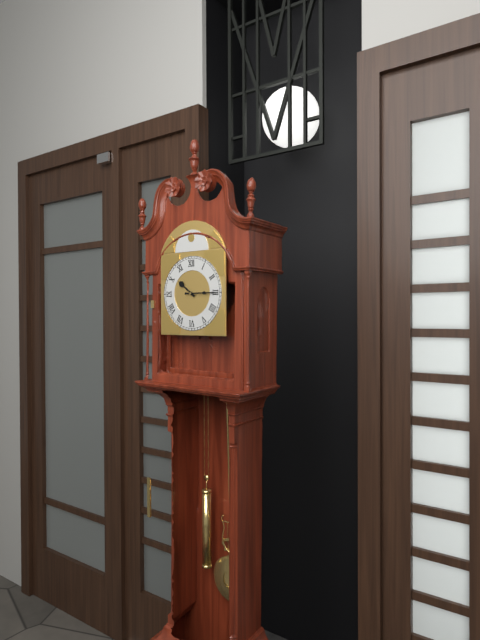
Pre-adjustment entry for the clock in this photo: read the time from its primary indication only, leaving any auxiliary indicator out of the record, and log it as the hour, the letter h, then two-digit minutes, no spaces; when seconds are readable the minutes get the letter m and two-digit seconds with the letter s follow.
10h15
